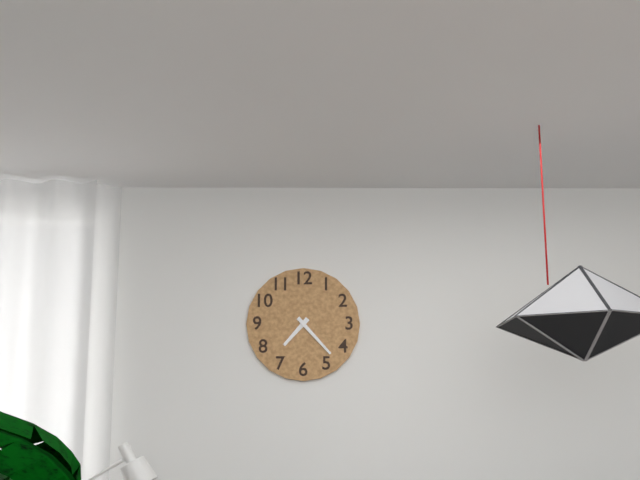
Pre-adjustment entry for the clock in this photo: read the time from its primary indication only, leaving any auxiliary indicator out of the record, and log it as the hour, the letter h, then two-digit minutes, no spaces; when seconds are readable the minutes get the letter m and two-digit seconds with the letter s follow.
7h23
